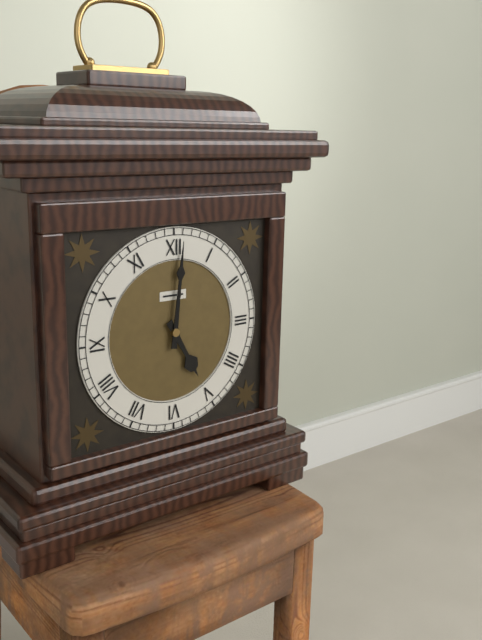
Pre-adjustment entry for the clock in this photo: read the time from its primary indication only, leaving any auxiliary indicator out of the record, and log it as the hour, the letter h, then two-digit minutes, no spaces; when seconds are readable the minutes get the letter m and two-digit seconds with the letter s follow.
5h01
